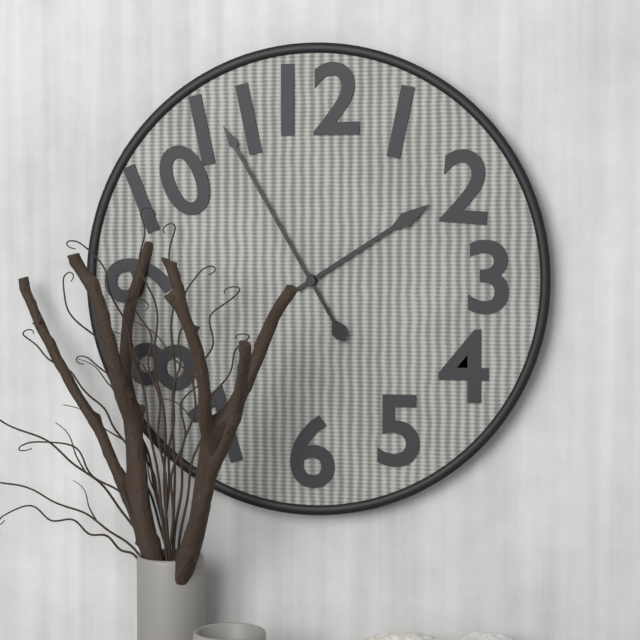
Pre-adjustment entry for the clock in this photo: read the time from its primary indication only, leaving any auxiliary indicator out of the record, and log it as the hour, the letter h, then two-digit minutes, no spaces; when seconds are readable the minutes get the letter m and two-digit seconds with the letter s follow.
1h55
